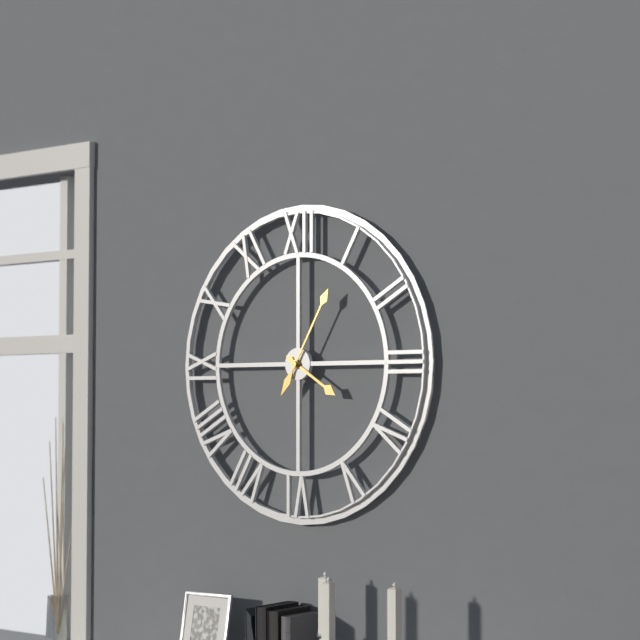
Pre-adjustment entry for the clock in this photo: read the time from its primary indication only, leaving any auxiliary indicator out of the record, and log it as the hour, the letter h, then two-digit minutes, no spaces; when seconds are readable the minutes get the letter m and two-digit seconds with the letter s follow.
4h05
